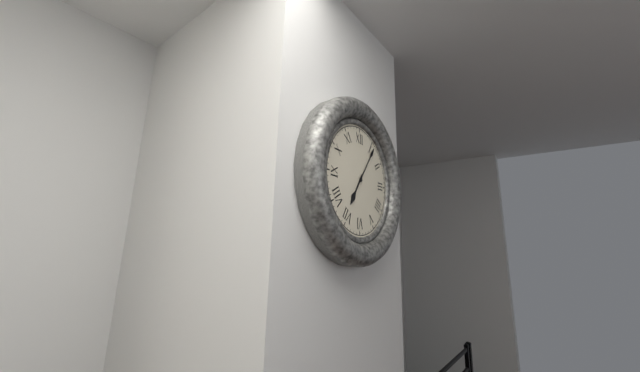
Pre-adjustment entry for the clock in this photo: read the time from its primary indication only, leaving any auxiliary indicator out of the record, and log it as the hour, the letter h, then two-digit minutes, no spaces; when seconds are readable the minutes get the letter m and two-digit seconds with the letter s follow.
7h06
